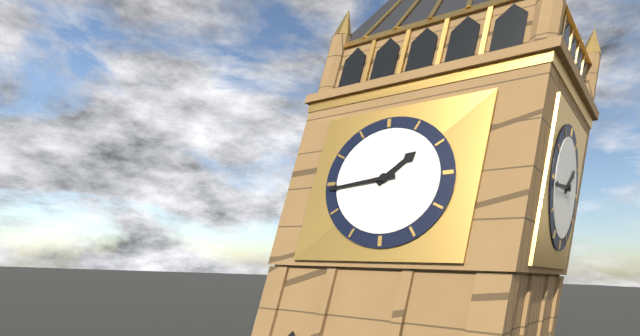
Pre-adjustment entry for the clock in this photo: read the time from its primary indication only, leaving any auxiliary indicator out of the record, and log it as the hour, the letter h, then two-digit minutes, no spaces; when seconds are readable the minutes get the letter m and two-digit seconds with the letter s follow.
1h44
